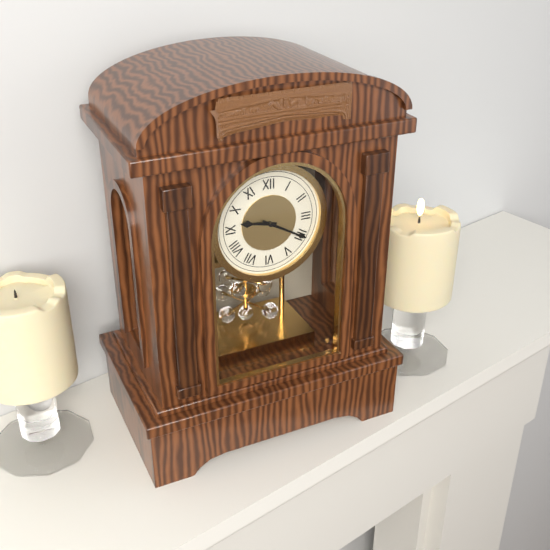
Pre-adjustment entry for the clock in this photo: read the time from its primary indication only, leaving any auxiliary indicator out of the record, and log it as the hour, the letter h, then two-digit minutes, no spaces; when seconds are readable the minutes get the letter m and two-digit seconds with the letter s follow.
9h20
